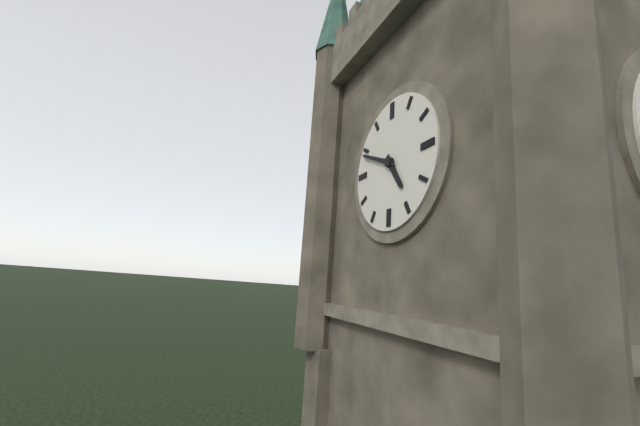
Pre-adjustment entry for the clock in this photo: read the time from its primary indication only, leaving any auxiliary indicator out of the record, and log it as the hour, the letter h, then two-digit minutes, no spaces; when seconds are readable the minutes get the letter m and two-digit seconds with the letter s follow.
4h49
